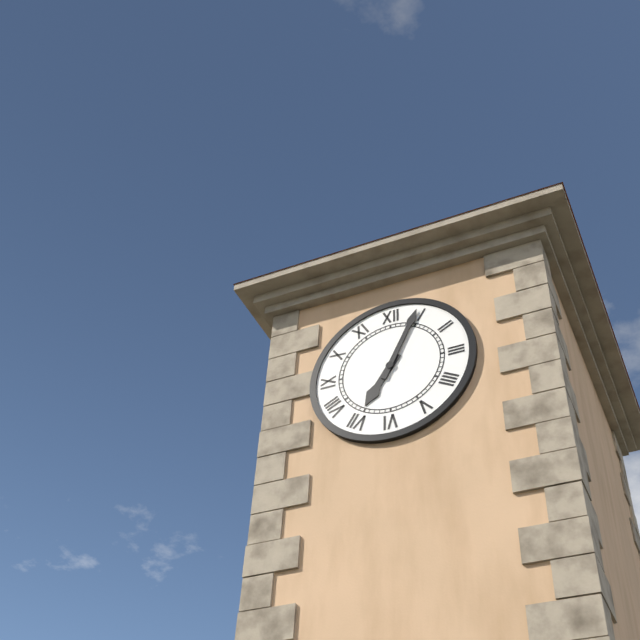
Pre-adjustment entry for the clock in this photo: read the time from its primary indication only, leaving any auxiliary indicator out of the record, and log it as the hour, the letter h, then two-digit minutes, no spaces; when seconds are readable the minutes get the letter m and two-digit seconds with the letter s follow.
7h04
